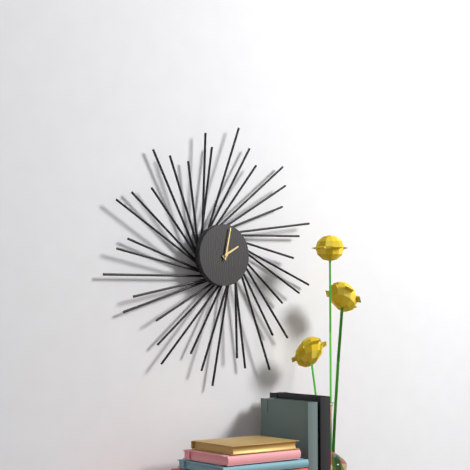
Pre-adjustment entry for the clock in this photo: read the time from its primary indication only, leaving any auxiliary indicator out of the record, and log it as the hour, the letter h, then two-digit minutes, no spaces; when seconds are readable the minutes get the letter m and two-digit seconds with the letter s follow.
2h02
